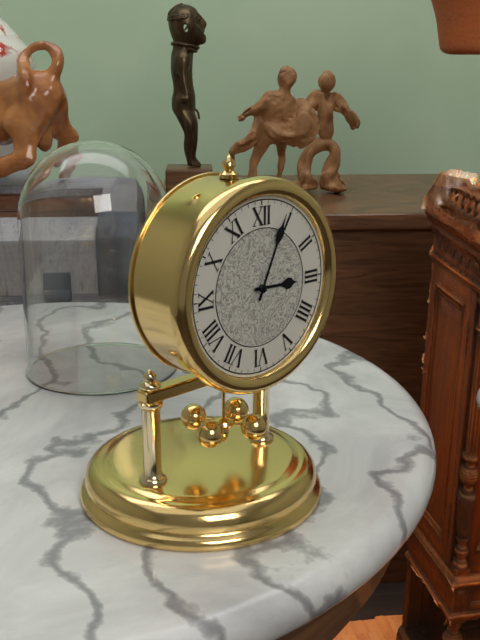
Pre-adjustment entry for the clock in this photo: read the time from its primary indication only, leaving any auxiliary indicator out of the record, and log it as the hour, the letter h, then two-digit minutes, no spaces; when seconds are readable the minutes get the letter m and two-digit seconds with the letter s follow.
3h04
